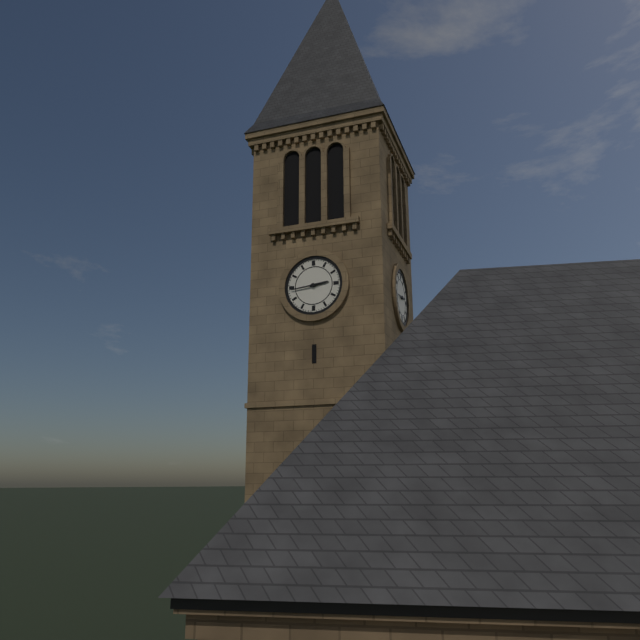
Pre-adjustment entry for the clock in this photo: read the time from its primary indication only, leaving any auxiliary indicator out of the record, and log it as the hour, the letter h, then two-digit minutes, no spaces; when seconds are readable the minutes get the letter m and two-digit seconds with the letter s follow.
2h44
